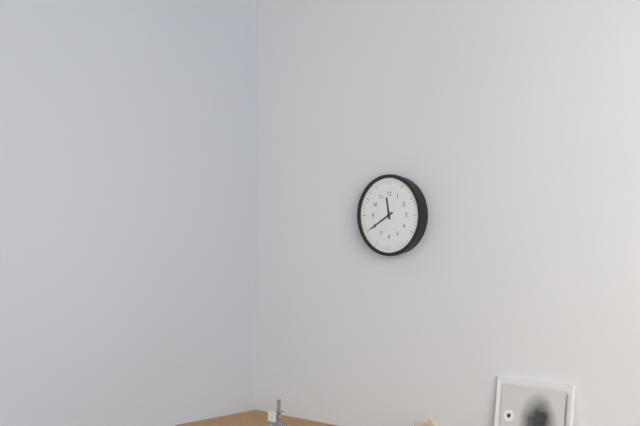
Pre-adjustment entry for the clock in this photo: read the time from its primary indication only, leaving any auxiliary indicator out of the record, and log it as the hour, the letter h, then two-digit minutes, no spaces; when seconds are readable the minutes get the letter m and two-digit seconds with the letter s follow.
11h40
